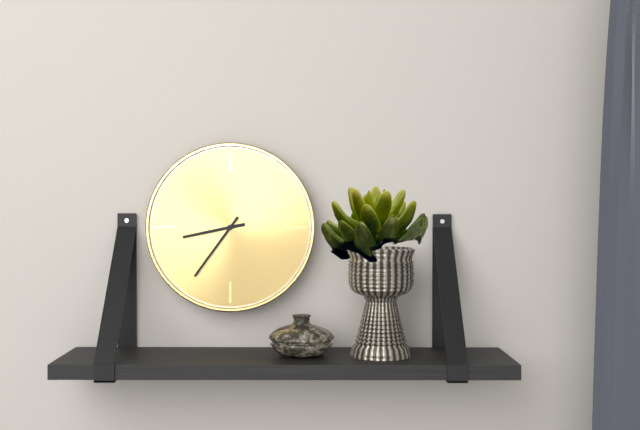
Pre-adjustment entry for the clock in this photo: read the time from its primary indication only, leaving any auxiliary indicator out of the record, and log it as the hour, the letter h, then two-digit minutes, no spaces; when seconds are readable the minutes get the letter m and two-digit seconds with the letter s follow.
8h36
